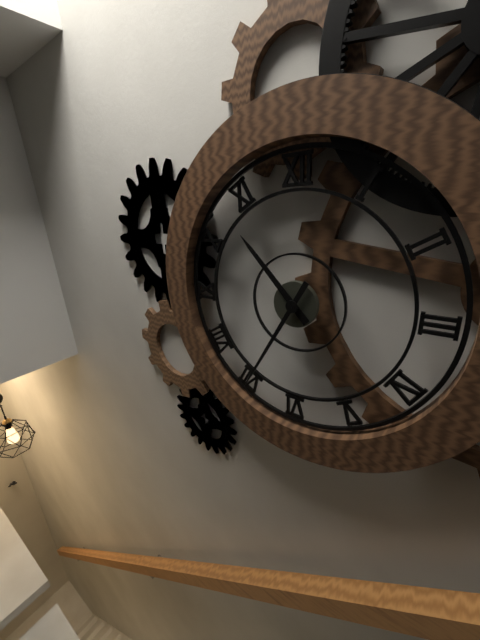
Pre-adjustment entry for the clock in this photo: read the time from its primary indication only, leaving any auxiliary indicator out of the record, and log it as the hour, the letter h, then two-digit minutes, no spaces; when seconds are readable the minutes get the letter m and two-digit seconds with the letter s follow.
10h35
